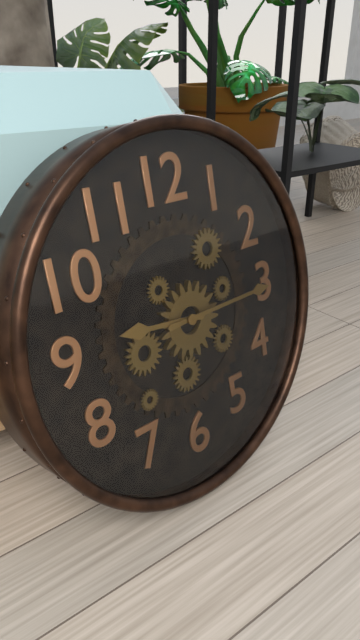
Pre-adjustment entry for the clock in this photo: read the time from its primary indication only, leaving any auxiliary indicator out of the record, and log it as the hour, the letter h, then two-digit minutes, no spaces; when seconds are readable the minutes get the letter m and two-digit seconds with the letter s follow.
9h15
